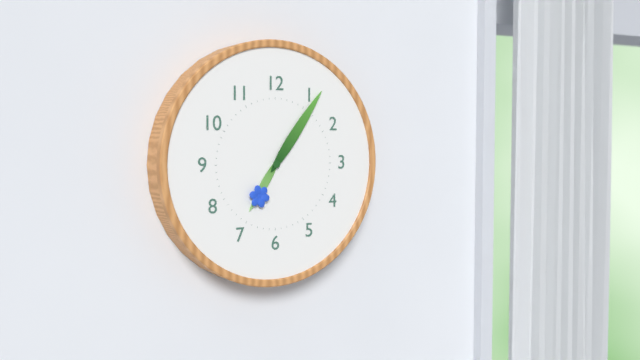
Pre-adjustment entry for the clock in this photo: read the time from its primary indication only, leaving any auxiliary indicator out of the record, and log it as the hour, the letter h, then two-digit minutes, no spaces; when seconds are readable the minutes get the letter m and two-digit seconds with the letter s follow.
7h06
